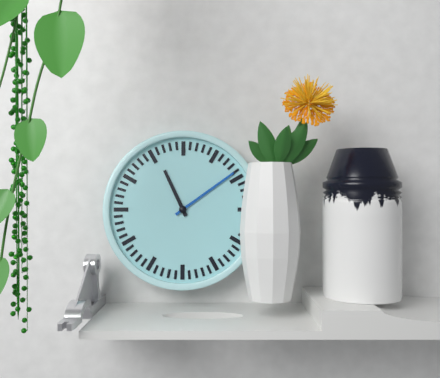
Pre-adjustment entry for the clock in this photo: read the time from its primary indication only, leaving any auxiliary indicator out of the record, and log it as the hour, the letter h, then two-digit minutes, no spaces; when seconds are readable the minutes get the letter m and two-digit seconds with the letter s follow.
11h09
